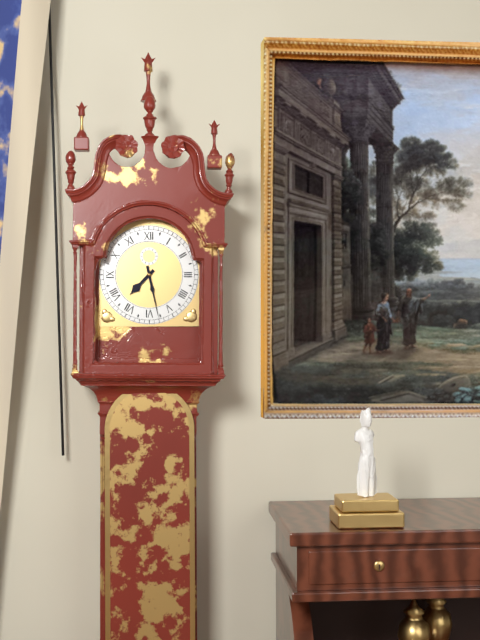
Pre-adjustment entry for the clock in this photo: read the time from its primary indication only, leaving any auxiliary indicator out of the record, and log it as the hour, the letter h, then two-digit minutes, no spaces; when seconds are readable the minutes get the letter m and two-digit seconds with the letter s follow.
7h28
